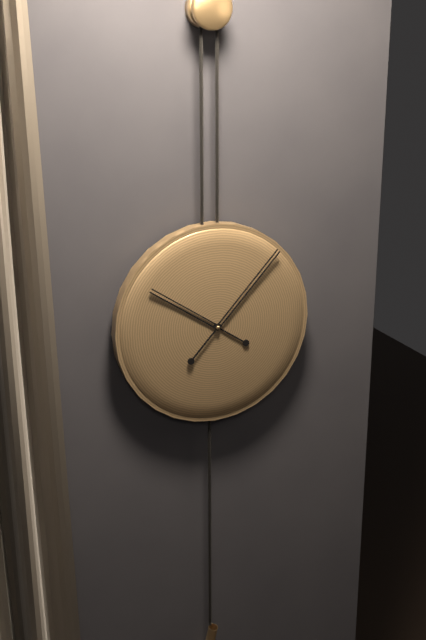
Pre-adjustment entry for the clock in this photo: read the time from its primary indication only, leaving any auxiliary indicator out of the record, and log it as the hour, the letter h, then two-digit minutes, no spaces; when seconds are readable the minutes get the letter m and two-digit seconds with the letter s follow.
10h07
